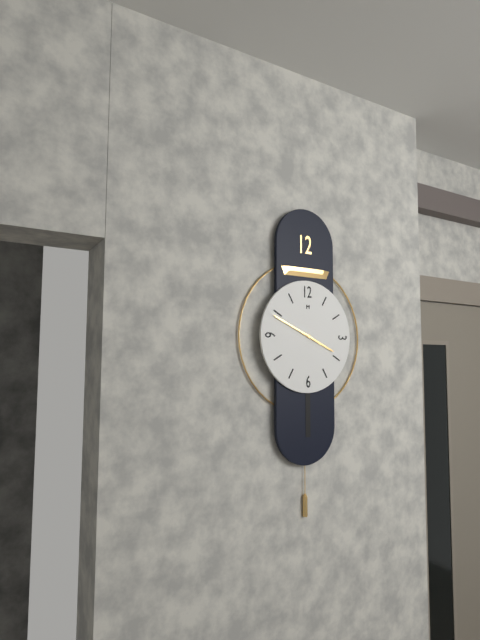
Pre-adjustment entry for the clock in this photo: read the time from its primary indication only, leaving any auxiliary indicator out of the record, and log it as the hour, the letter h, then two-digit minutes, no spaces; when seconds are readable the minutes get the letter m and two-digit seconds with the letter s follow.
3h49
